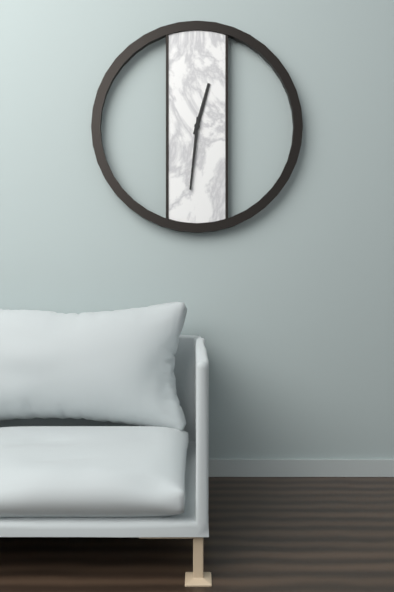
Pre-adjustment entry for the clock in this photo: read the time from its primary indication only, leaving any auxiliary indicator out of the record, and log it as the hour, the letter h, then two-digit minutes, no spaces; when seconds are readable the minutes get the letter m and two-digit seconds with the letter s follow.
12h31
